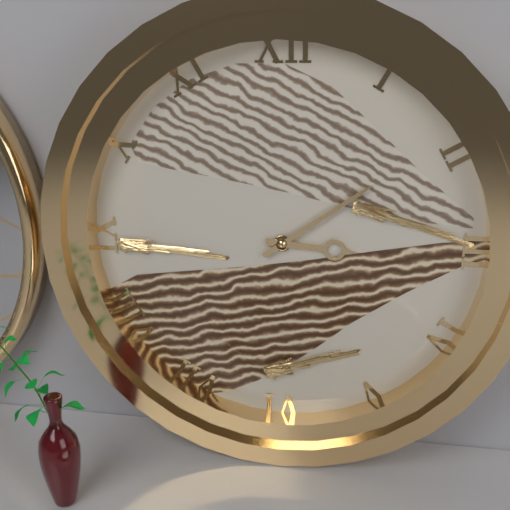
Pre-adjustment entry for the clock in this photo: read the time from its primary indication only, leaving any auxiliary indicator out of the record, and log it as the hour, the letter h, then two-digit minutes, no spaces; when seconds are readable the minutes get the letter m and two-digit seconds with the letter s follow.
3h09
